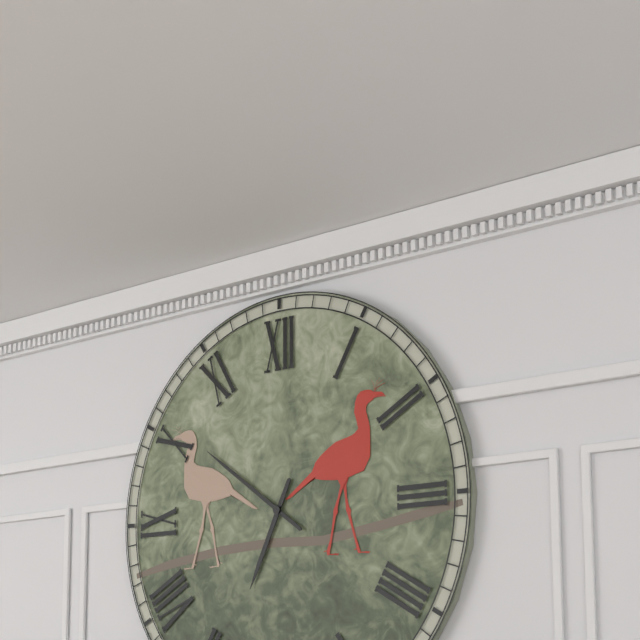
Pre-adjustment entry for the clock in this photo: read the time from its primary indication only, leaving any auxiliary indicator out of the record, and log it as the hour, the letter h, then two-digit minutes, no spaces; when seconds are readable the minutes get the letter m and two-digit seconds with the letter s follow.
6h51
